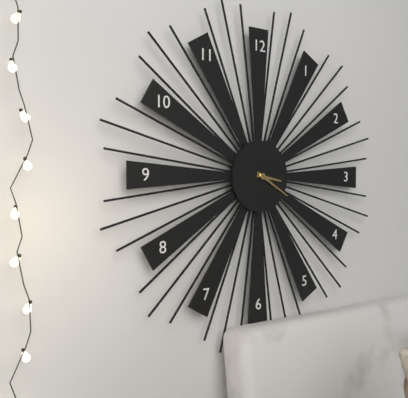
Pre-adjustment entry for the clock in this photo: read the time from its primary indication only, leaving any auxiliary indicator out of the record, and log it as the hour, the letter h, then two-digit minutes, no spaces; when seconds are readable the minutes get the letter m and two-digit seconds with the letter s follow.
3h20
